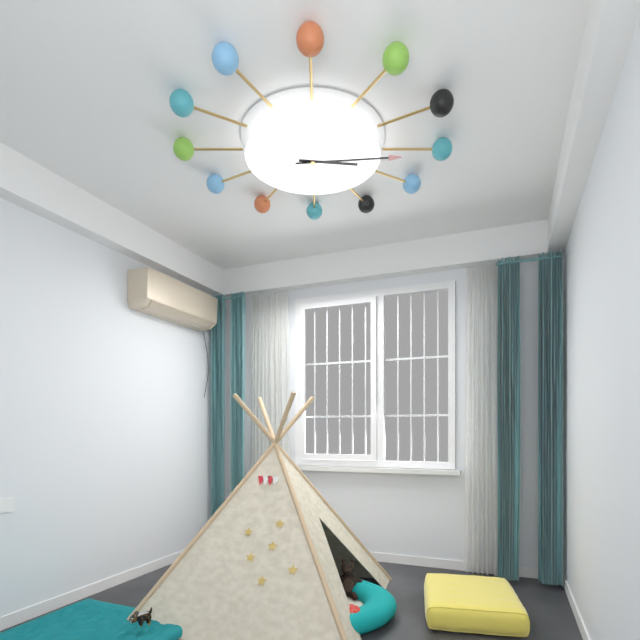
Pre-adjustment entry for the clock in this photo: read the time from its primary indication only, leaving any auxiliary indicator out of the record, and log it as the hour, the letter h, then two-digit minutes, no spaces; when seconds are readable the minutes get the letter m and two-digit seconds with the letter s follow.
3h14
